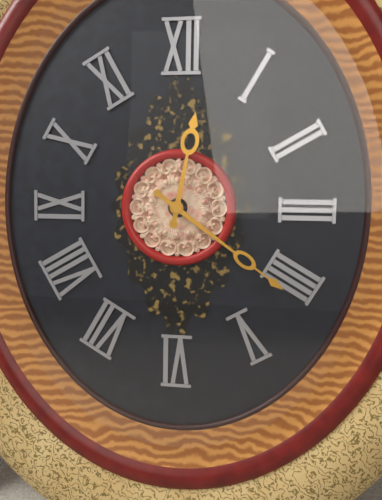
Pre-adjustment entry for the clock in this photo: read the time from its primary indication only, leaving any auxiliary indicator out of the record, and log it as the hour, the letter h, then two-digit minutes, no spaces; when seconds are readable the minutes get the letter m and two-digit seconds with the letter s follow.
12h21
